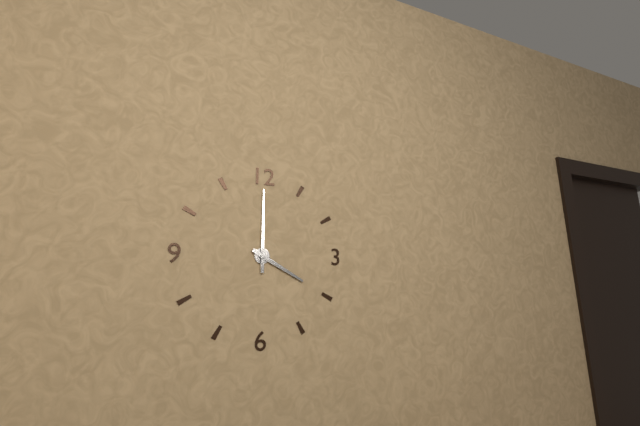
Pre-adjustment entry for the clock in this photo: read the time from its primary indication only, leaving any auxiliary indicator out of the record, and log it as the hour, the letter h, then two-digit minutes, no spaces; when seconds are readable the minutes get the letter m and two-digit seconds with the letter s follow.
4h00
